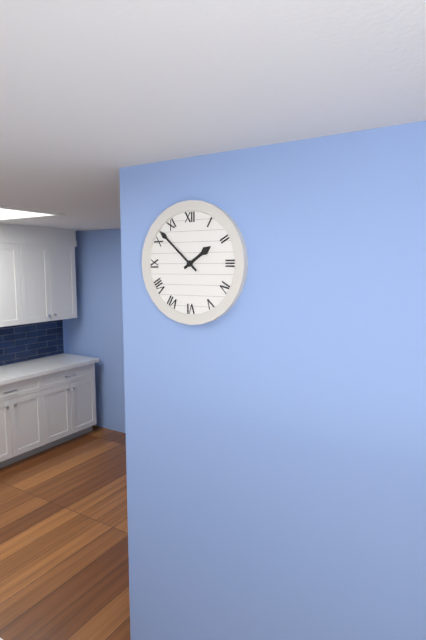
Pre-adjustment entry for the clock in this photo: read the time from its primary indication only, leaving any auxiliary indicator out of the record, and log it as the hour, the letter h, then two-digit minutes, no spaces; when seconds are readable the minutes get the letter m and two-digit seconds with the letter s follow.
1h52
